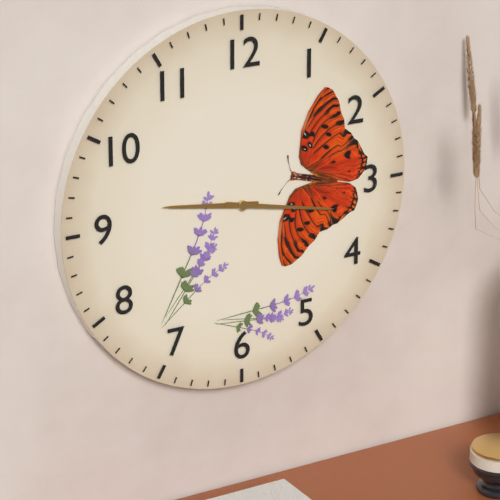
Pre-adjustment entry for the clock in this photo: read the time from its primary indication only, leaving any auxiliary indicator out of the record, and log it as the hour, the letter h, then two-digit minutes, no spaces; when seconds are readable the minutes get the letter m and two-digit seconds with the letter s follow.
9h17
